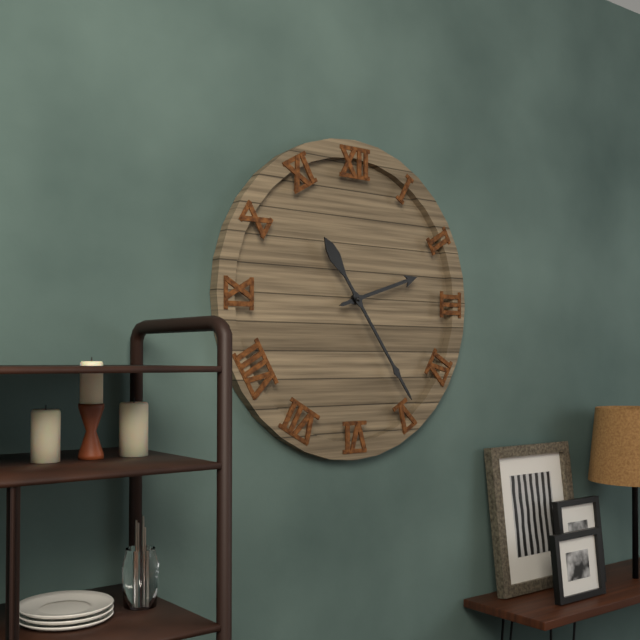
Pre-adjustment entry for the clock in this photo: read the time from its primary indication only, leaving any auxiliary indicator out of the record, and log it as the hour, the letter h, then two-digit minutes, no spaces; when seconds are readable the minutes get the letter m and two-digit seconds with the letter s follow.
2h24
